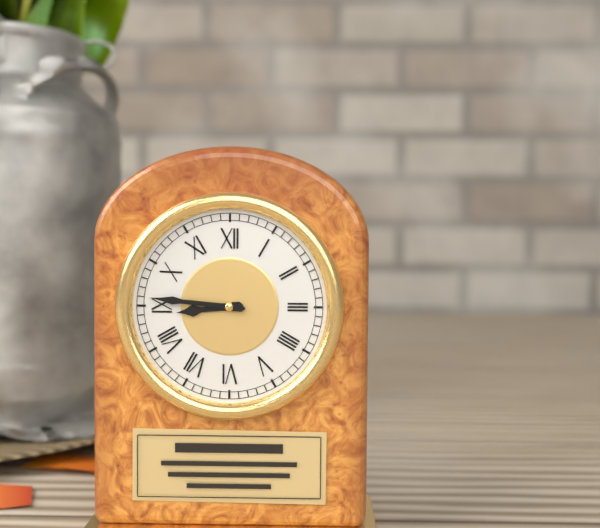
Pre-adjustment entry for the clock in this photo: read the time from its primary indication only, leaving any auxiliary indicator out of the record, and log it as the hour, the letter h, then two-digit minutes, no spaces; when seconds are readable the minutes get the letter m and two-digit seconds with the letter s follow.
8h46
